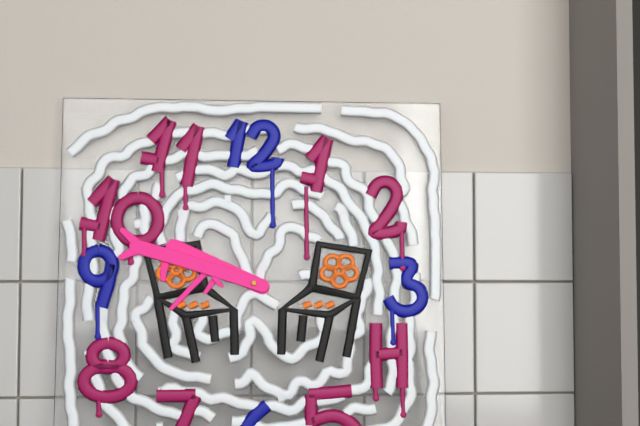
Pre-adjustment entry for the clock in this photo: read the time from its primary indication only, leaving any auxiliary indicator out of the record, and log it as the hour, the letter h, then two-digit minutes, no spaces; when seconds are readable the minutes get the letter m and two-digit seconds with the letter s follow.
9h48
